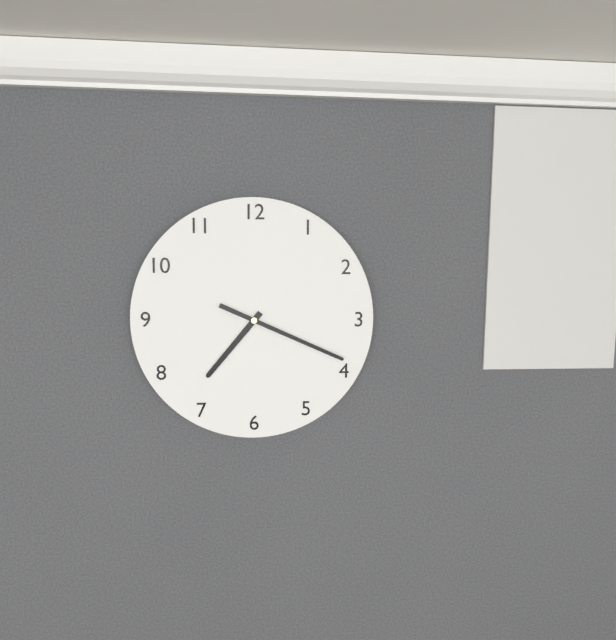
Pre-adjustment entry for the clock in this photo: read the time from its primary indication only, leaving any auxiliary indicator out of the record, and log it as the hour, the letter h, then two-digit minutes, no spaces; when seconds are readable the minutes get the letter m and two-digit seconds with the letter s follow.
7h19
